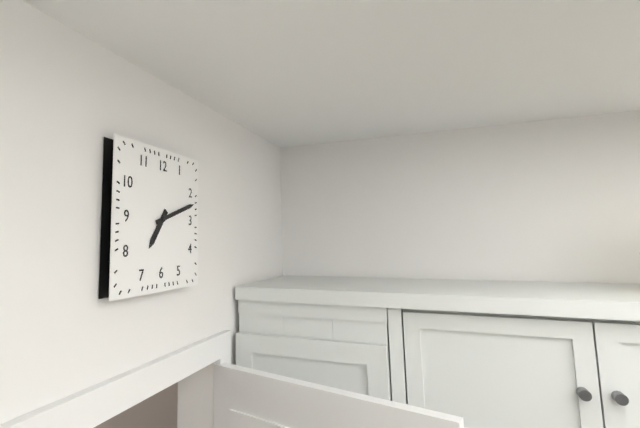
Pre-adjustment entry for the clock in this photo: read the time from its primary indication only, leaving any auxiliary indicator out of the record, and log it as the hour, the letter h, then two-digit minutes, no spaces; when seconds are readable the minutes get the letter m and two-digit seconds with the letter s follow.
7h12
